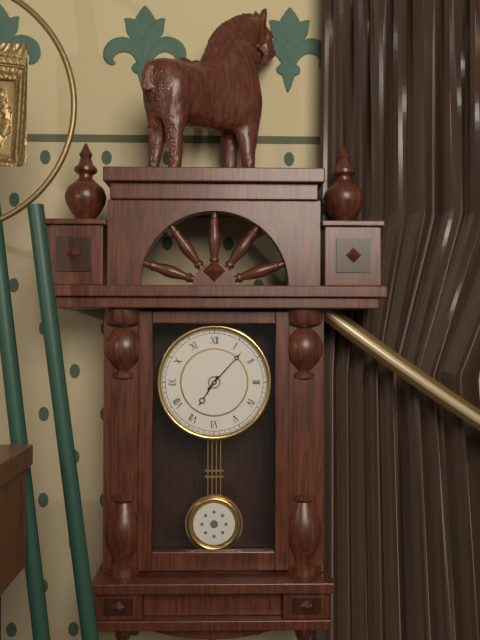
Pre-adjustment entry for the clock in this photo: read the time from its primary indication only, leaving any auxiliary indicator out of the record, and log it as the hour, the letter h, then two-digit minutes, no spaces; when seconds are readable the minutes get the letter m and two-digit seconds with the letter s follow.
7h07
